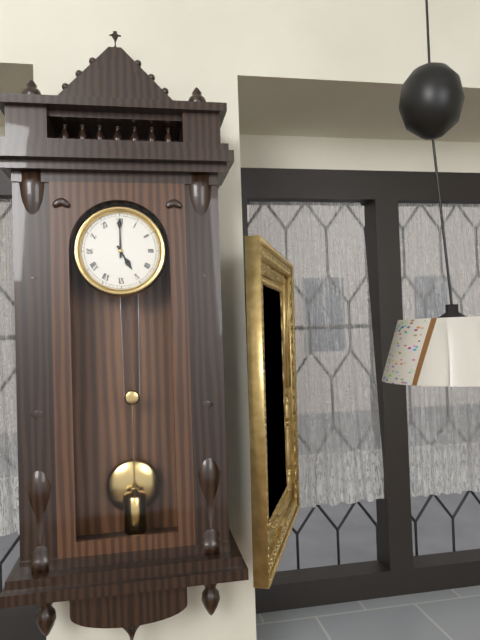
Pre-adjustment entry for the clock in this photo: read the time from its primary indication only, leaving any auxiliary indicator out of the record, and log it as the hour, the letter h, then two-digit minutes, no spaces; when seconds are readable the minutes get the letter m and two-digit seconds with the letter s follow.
5h00
